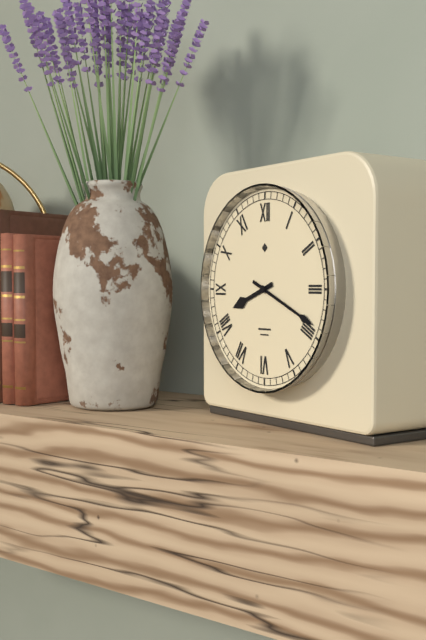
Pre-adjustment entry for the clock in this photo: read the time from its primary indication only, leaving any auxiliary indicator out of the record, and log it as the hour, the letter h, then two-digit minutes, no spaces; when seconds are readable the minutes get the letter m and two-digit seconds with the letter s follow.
8h19
